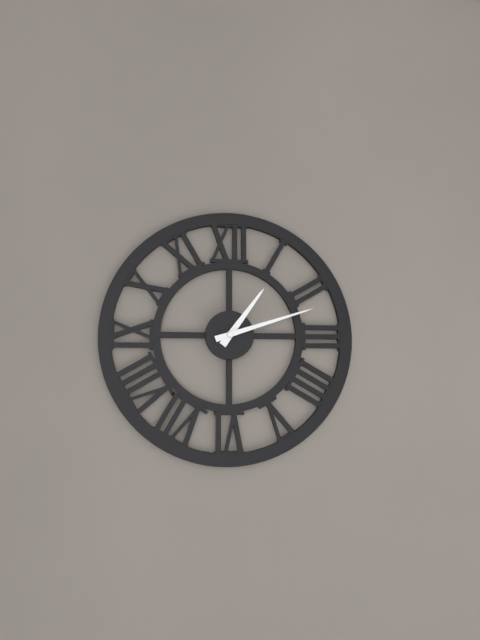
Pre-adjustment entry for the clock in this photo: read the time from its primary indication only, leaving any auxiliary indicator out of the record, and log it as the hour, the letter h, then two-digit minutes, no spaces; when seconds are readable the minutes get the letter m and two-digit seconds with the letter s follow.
1h12
